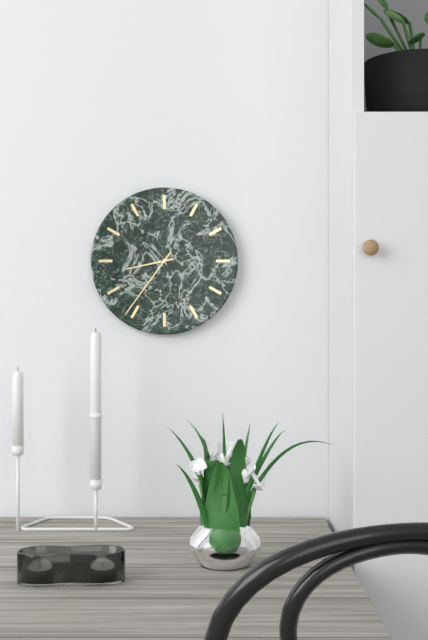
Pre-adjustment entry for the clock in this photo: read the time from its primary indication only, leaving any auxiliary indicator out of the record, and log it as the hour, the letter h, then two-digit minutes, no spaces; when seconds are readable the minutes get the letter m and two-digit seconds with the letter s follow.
8h36
